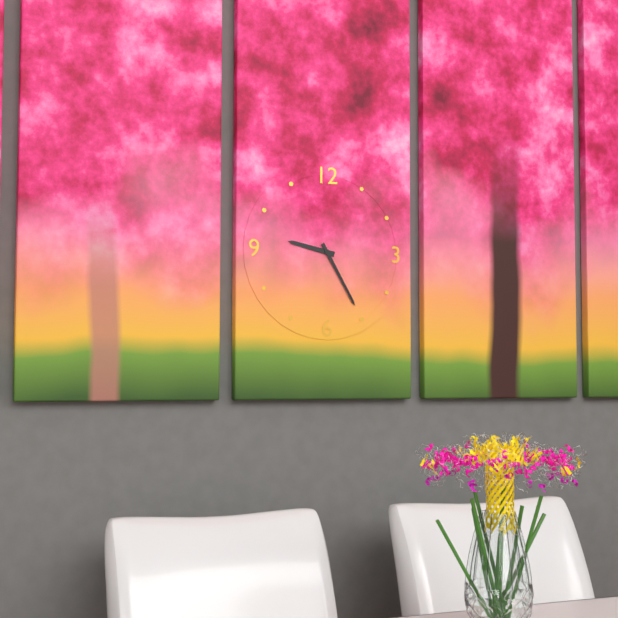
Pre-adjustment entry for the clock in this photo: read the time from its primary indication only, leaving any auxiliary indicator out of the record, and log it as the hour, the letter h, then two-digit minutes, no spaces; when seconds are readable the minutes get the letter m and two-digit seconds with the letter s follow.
9h25
